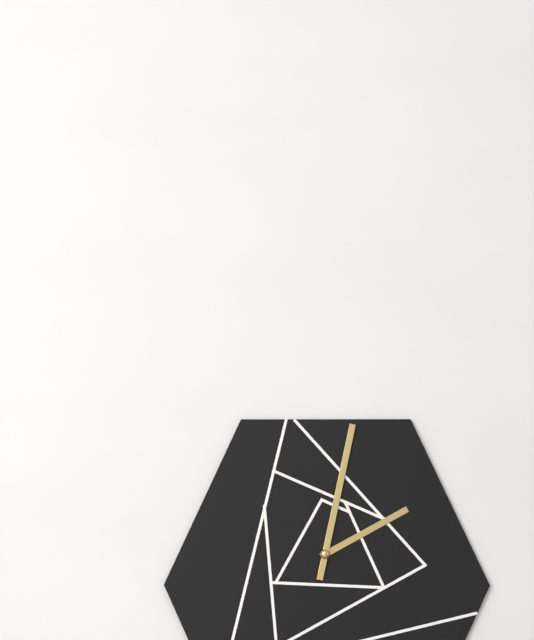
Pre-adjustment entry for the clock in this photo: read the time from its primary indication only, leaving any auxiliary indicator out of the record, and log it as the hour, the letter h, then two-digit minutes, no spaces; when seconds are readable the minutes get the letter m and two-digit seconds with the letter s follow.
2h02
